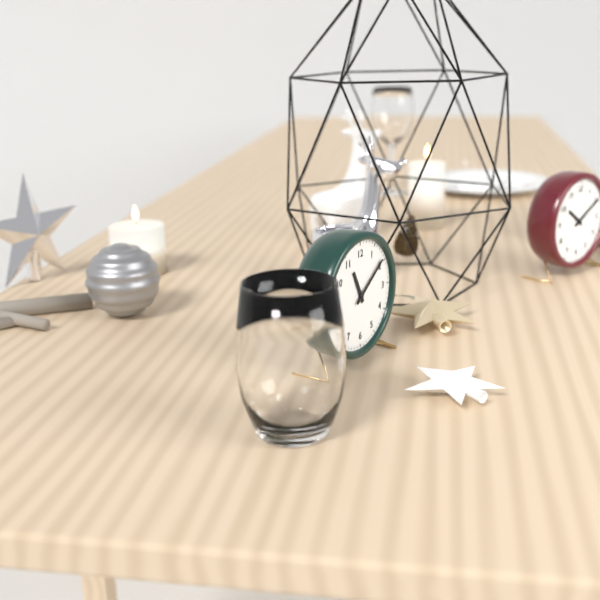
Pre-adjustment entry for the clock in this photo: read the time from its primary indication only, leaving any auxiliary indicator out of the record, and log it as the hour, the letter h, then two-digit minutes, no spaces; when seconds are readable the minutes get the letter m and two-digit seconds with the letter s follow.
11h09
